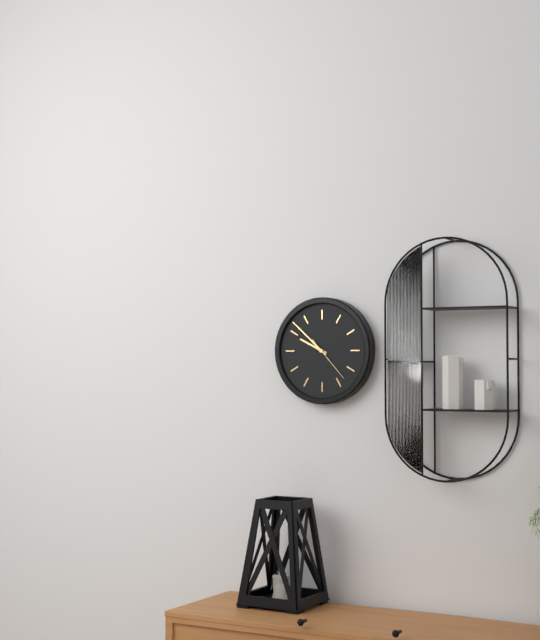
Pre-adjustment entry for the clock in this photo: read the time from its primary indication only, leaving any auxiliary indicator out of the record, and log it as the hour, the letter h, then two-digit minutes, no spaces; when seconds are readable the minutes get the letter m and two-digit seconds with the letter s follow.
9h52
